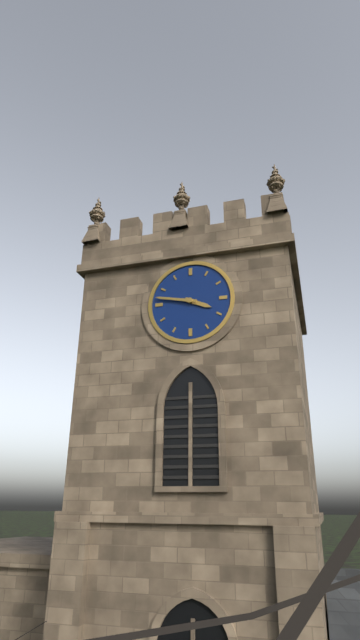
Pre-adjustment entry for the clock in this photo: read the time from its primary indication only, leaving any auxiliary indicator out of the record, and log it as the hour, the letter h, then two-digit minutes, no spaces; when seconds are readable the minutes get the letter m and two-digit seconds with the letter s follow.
3h47
